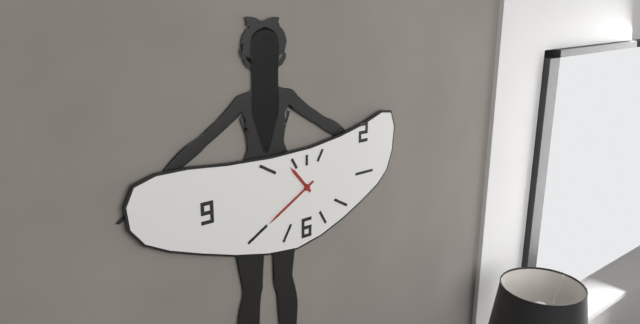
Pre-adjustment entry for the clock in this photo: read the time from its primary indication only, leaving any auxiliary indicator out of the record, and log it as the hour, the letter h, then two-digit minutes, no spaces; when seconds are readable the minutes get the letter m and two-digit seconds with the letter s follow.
10h40
